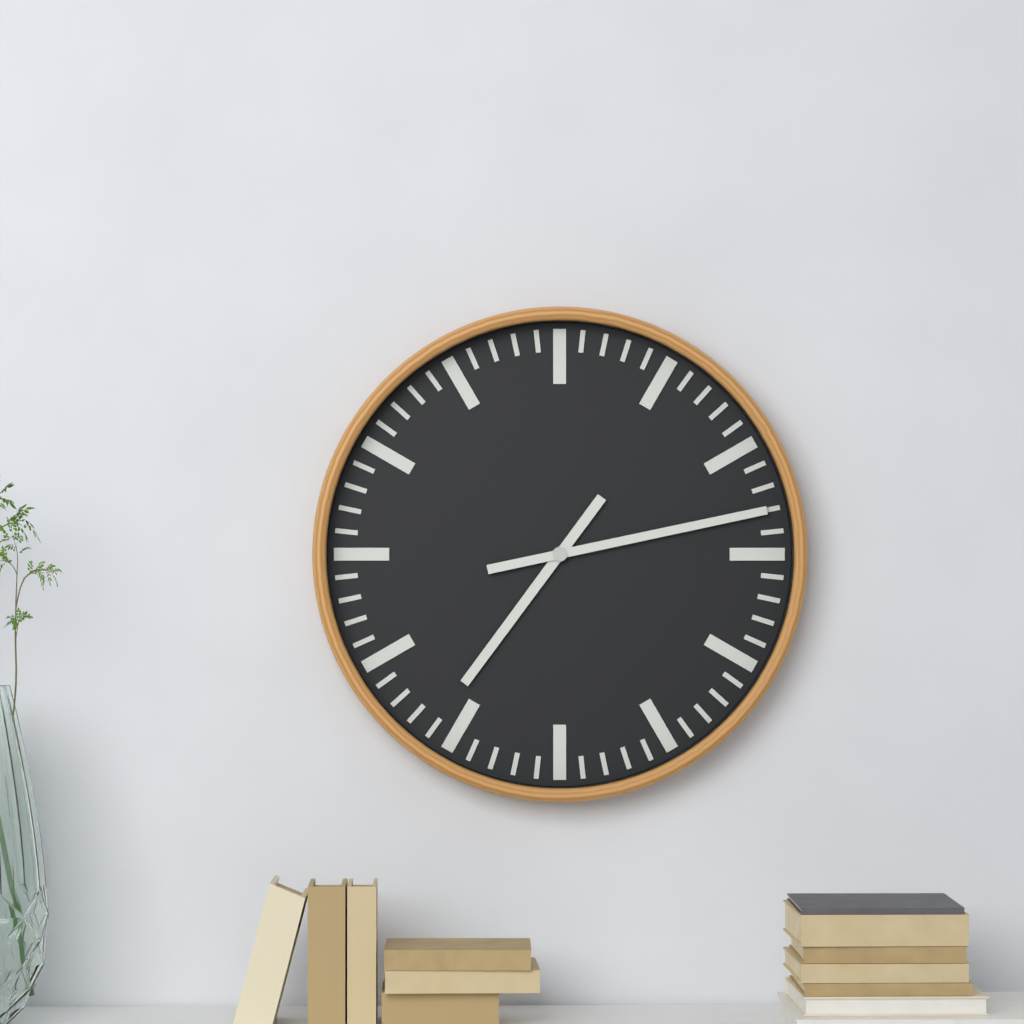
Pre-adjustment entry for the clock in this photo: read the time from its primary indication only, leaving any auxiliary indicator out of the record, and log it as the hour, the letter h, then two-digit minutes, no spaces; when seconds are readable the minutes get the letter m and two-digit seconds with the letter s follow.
7h13
